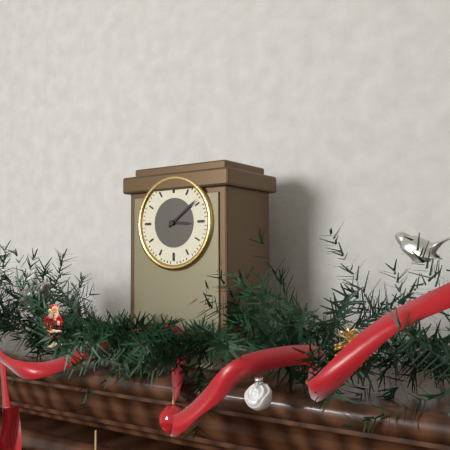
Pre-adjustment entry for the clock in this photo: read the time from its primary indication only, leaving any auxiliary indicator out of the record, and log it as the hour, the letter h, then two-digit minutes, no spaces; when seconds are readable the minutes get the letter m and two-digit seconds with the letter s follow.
3h09
